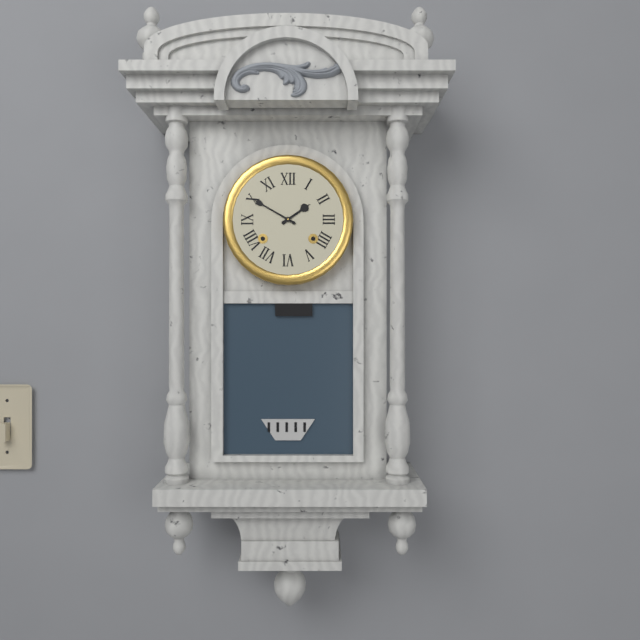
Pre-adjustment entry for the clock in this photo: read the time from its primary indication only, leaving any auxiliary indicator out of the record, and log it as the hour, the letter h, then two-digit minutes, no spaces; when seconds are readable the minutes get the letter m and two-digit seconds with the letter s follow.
1h50
